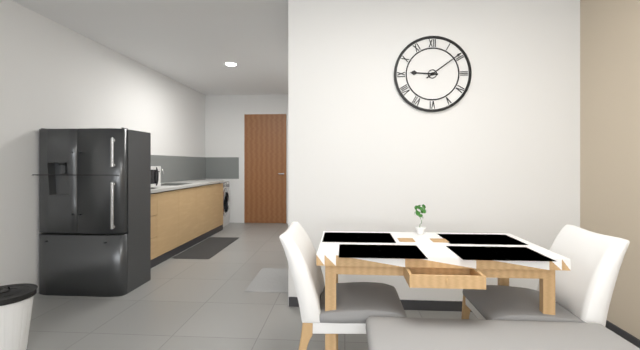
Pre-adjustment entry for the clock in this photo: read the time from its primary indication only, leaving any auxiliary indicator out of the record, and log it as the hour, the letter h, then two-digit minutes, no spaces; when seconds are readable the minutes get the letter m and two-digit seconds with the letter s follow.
9h09
